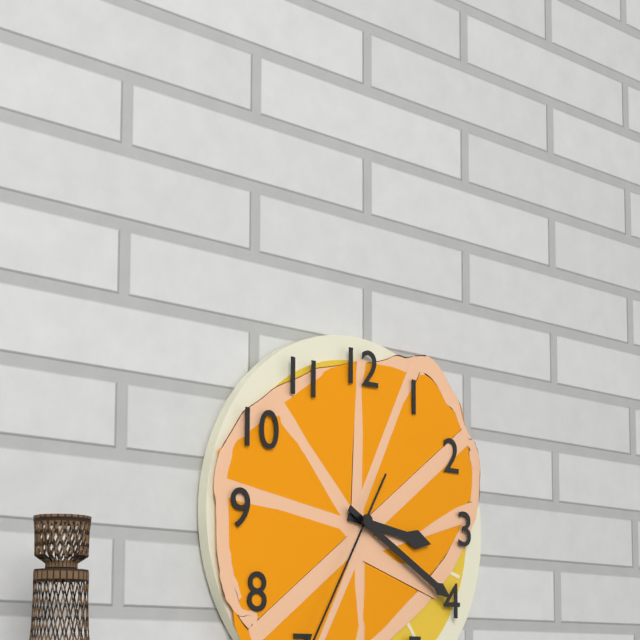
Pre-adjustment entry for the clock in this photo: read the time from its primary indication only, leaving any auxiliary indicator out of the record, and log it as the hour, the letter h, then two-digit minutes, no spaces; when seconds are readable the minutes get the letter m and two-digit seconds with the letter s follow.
3h20
